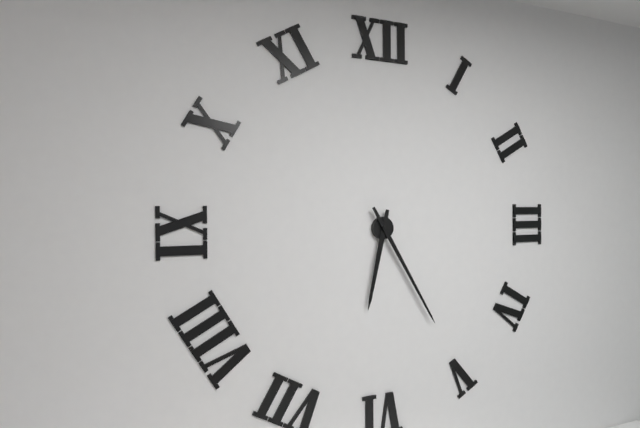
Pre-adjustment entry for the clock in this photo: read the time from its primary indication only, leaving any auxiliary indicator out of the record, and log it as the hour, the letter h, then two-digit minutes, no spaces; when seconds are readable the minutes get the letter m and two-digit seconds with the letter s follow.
6h25
